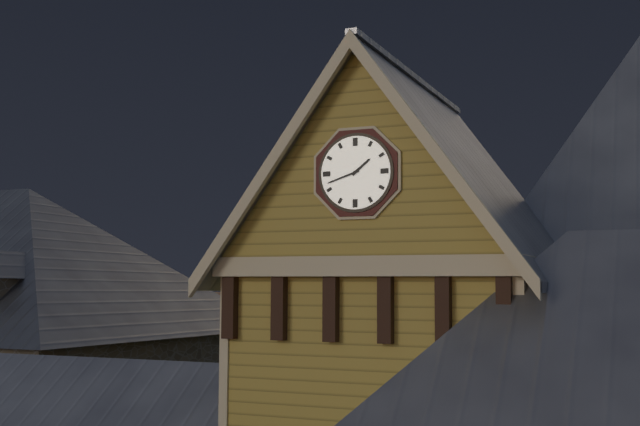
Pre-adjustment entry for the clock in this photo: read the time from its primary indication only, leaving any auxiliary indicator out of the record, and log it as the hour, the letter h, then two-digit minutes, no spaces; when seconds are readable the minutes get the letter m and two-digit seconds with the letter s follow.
1h42
